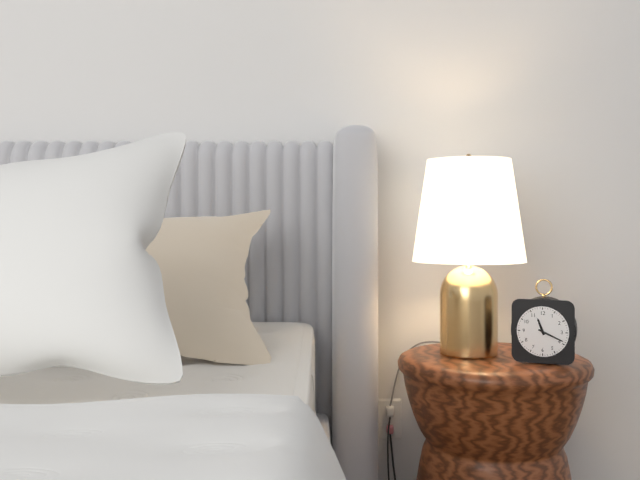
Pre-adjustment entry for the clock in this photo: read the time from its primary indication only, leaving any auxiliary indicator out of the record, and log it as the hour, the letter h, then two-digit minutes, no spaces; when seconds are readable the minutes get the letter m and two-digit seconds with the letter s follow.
11h19
